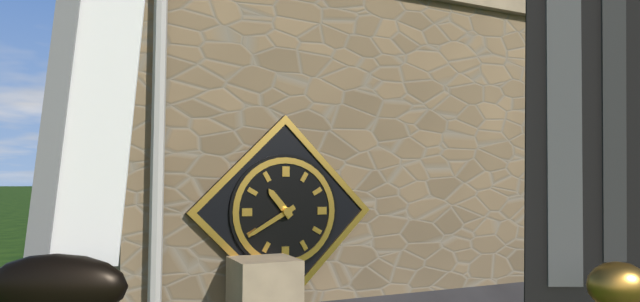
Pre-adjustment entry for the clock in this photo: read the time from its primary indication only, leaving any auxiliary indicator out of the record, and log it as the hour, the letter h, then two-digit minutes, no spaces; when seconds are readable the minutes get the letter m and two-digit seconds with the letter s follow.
10h40
